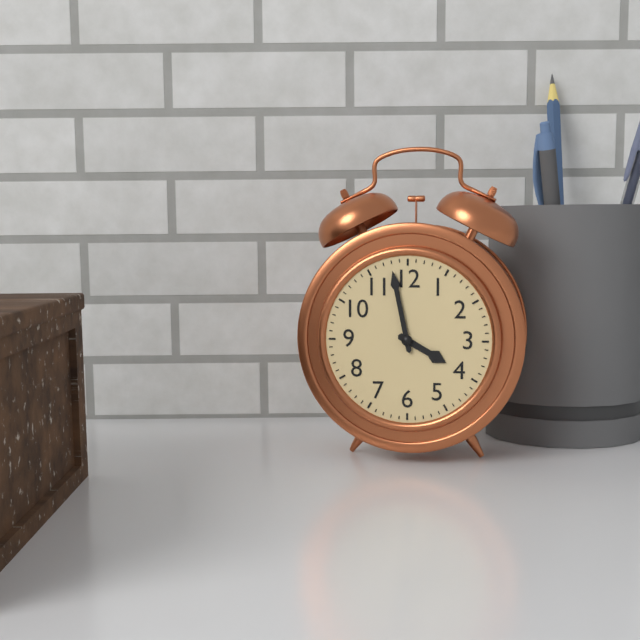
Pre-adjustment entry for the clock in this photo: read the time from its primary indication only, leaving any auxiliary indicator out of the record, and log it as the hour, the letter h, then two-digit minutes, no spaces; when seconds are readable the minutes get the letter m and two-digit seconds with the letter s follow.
3h58
